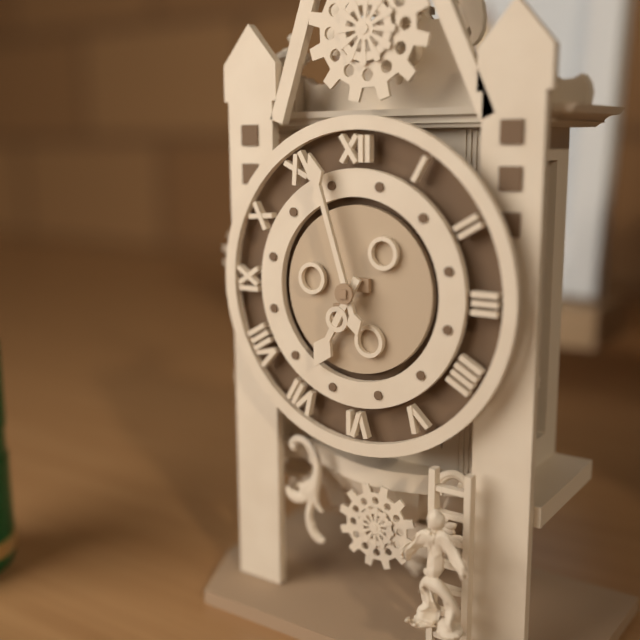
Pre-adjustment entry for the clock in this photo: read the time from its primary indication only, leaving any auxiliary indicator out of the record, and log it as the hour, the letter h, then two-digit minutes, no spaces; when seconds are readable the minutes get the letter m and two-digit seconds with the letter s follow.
6h57
